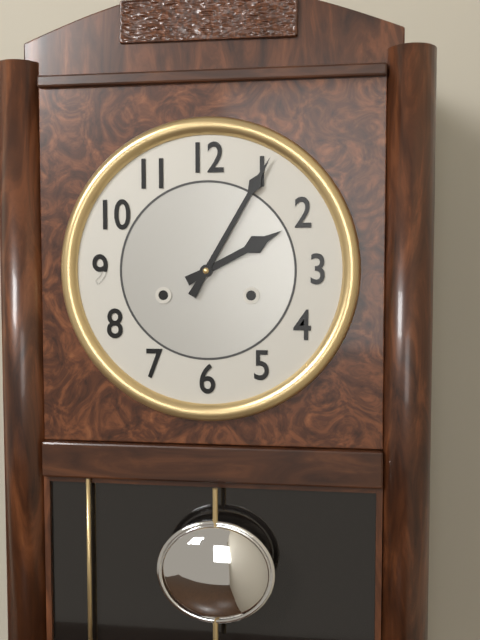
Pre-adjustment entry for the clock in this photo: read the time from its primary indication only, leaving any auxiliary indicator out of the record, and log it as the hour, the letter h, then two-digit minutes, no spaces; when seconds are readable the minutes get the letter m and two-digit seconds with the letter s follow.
2h05
